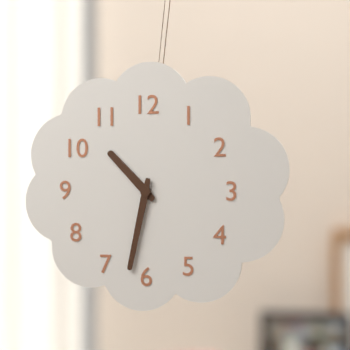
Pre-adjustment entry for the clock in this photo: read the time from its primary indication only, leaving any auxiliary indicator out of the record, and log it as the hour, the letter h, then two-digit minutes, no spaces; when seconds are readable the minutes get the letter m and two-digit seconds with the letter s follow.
10h32
